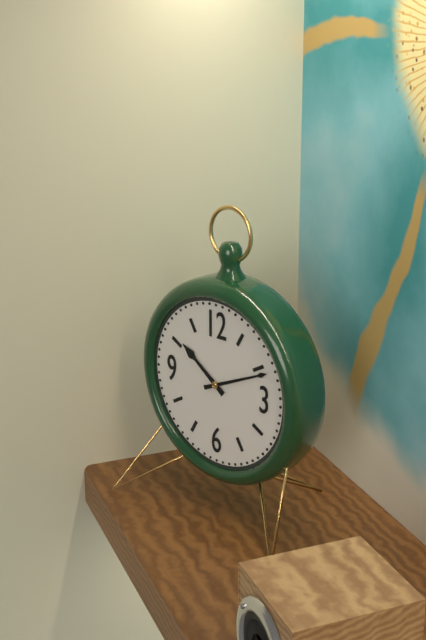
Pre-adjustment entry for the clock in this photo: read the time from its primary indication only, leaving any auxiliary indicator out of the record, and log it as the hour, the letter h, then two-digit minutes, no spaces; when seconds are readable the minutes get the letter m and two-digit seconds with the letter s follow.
10h11
